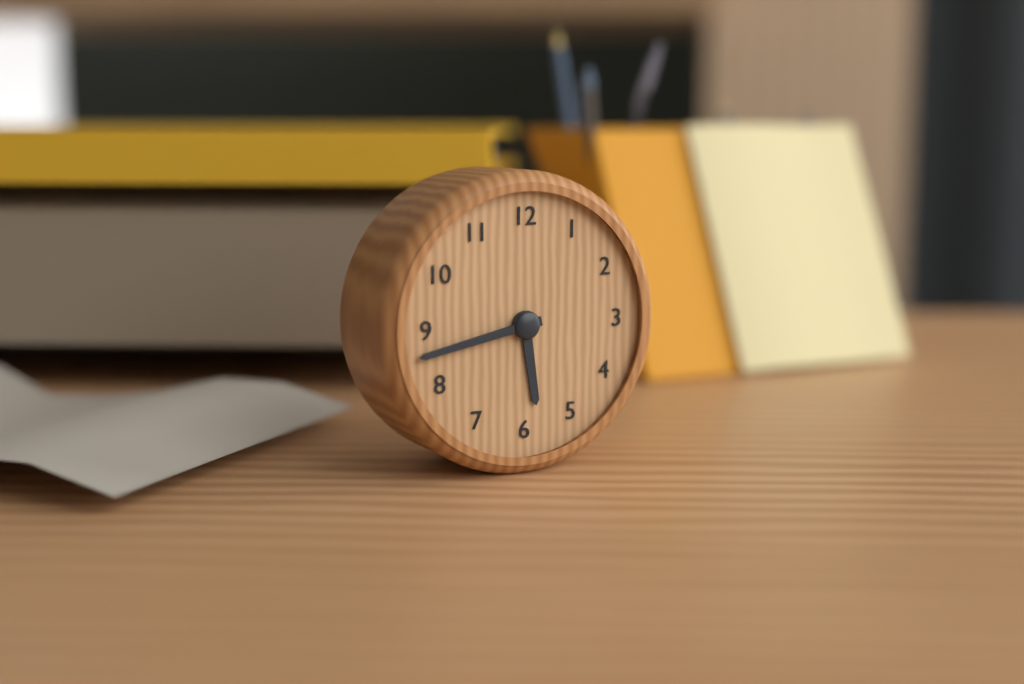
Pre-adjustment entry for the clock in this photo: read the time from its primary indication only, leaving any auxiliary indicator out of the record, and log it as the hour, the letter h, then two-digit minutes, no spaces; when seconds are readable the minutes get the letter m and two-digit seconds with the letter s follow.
5h43
